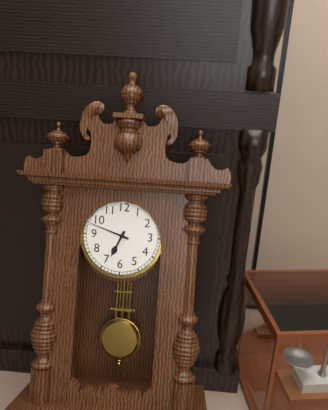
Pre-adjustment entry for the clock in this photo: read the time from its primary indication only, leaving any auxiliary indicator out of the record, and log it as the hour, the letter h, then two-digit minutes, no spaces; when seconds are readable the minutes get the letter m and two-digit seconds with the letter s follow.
6h48
